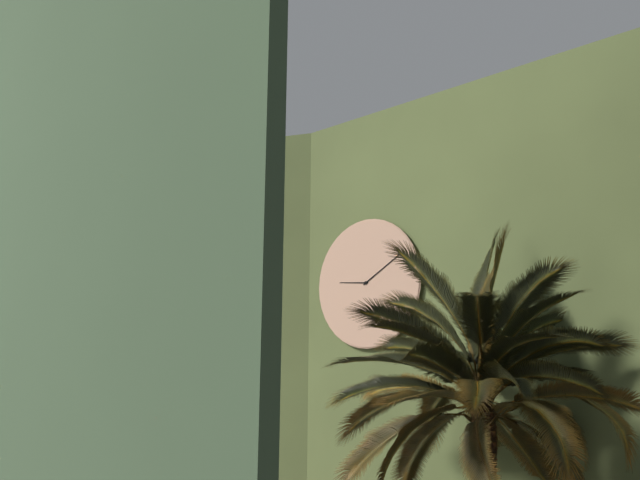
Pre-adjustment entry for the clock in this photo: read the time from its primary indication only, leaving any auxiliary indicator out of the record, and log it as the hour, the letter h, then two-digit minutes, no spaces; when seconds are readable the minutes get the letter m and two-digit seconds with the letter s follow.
9h10
